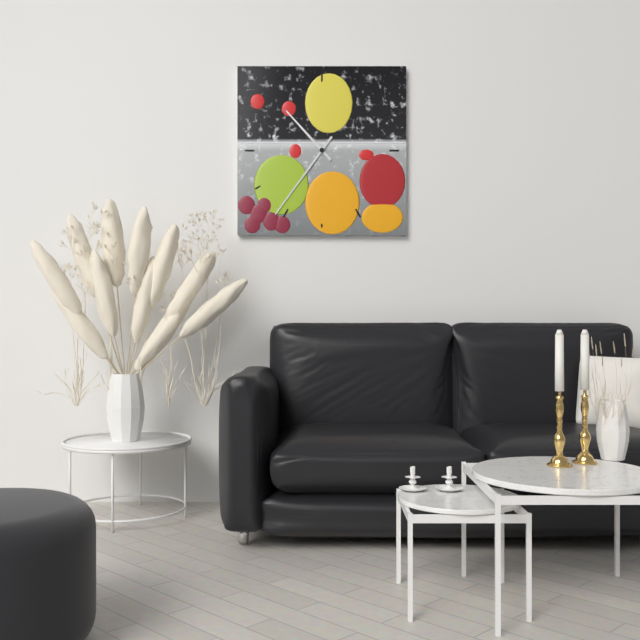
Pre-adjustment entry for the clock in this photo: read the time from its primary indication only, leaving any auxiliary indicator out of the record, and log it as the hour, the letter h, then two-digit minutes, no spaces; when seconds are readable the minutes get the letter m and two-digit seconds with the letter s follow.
10h36
